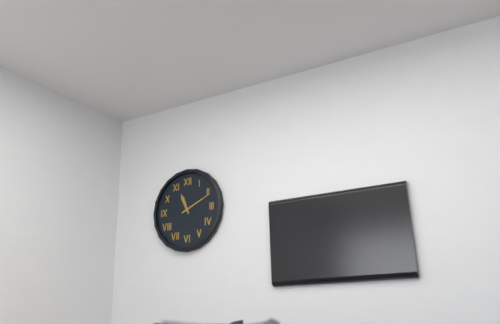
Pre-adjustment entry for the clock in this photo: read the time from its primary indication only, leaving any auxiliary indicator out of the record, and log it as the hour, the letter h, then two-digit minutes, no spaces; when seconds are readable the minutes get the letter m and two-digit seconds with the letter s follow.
11h11
